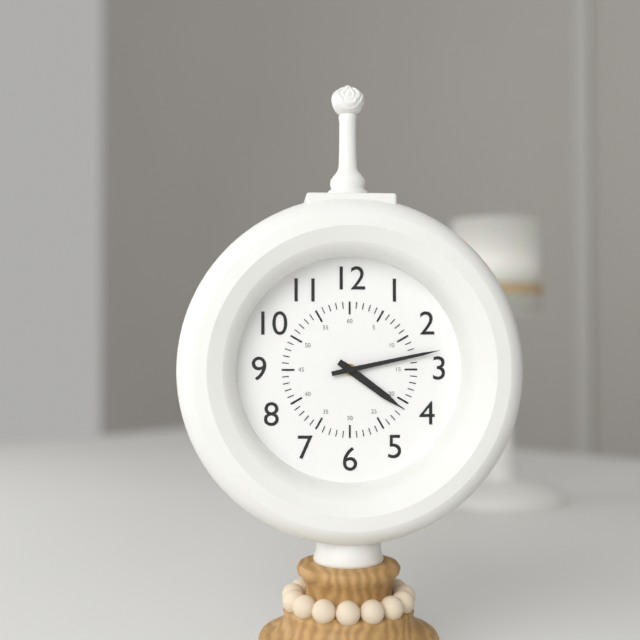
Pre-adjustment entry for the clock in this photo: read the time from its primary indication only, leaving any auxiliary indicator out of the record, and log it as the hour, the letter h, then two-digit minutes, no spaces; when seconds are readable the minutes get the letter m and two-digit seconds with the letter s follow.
4h13
